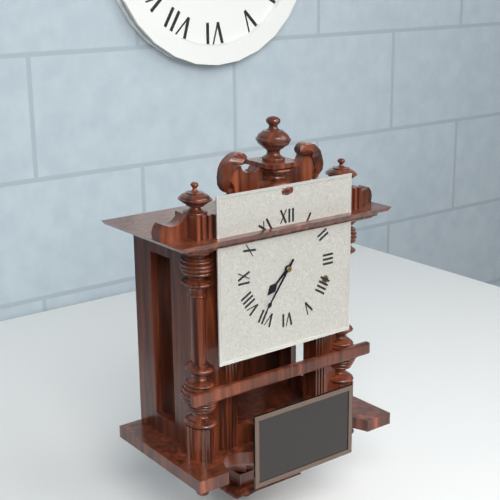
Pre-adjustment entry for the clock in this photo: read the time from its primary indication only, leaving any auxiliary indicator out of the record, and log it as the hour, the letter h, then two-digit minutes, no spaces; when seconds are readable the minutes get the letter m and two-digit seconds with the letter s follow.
7h36
